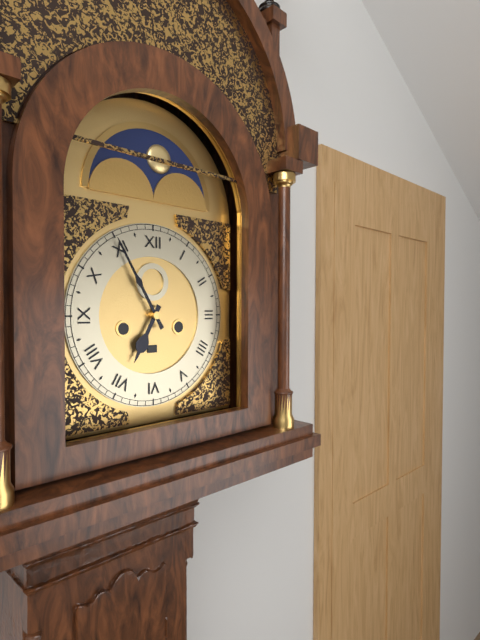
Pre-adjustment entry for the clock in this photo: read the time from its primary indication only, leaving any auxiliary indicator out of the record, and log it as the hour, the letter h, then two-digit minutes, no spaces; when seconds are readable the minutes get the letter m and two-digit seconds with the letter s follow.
6h55
